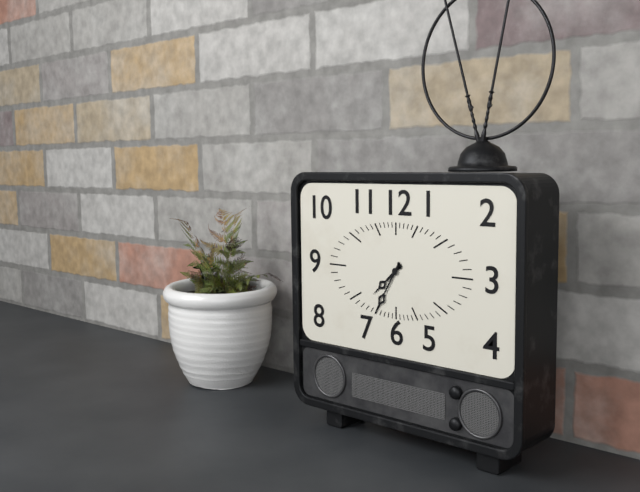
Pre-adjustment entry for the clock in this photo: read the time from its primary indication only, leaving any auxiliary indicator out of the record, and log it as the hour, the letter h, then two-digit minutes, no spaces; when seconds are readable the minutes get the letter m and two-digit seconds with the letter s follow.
7h35
